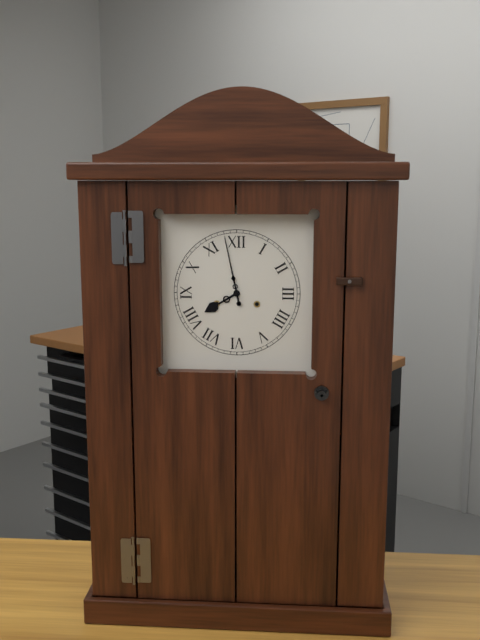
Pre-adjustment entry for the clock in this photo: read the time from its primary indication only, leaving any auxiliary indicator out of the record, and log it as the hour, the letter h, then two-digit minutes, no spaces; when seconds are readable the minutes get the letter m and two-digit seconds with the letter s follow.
7h58
